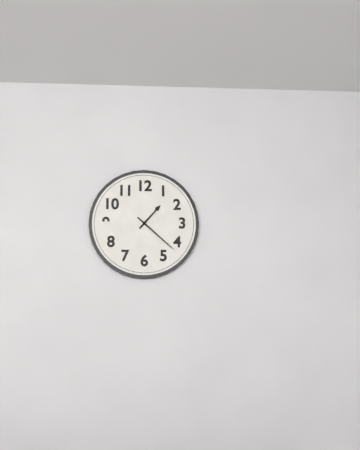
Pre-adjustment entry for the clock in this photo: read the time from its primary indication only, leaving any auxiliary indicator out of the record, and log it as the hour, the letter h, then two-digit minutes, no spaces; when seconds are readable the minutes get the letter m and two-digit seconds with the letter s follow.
1h22
